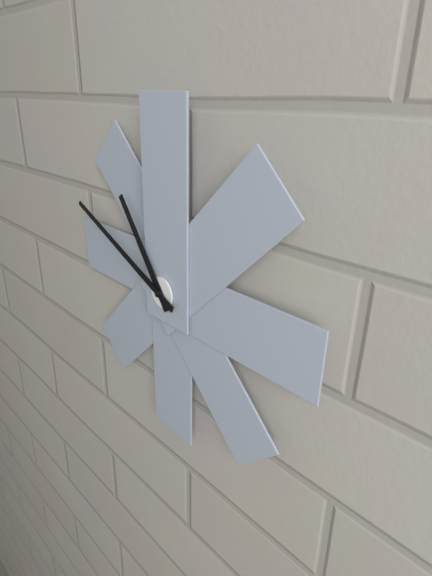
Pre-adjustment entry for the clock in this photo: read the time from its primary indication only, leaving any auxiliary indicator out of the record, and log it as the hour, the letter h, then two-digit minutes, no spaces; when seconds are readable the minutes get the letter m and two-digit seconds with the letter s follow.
10h49
